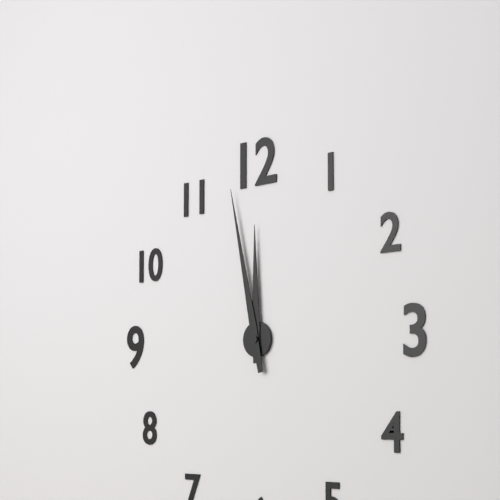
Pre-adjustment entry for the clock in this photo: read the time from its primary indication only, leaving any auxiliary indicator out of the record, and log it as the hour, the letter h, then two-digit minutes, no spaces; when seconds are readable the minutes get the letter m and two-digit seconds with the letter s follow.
11h58
